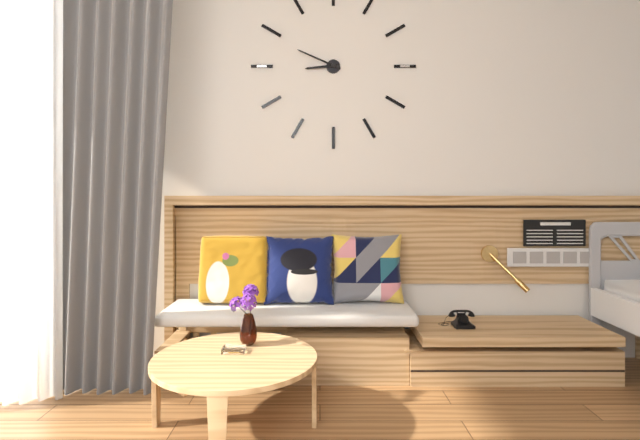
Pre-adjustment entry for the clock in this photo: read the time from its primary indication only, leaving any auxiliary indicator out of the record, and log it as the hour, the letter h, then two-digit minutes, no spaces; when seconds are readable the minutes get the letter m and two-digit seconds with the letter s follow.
8h49
